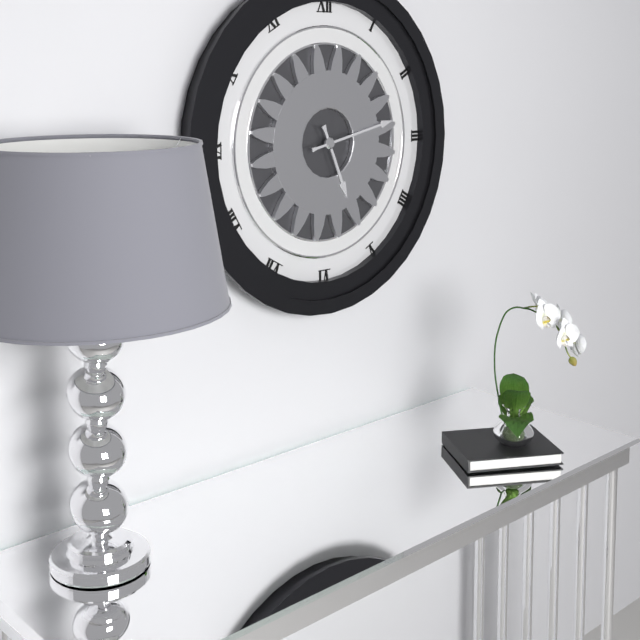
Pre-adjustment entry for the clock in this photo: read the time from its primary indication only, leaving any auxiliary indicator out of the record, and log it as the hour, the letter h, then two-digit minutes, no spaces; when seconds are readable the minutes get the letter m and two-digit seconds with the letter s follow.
5h13
